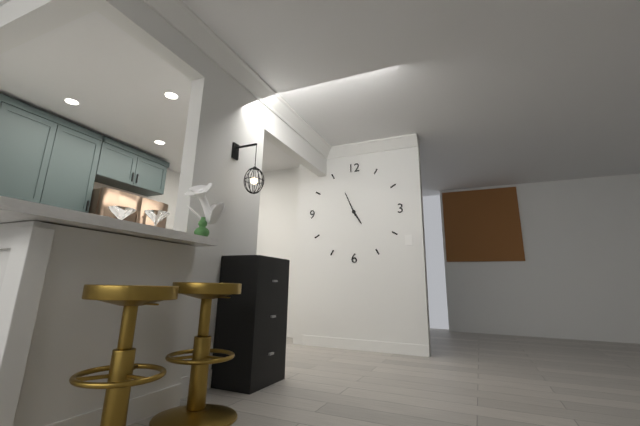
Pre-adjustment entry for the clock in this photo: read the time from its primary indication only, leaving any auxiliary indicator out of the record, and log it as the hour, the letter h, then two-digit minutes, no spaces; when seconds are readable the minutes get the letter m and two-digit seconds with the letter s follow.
4h56
